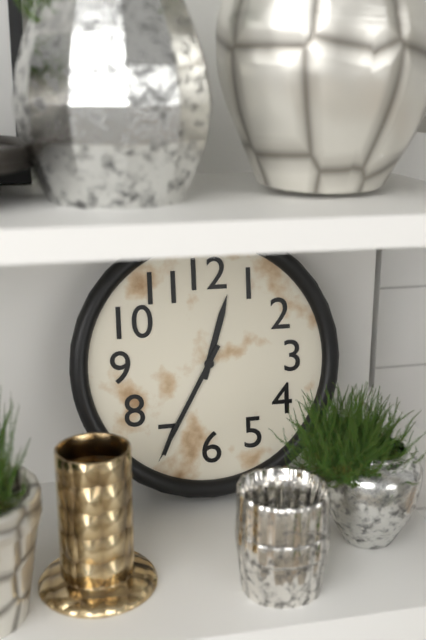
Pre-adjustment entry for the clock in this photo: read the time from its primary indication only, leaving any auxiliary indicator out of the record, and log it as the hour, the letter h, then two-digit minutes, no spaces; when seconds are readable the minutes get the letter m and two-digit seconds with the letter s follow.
12h35
